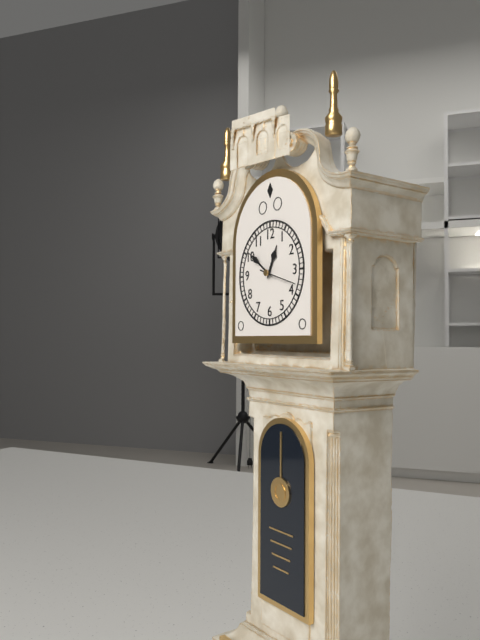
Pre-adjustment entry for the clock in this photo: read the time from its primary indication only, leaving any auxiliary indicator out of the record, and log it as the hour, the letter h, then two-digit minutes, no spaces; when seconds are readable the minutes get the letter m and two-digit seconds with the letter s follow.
12h51
